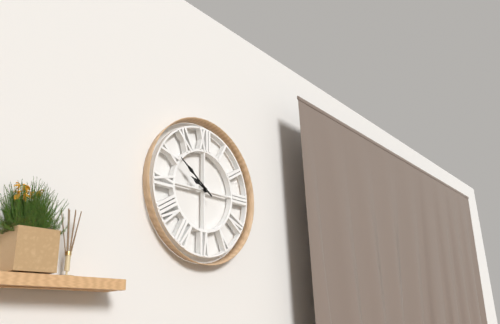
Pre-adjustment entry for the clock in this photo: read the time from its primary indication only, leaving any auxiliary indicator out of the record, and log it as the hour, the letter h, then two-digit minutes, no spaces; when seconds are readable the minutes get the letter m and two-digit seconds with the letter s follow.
9h51
